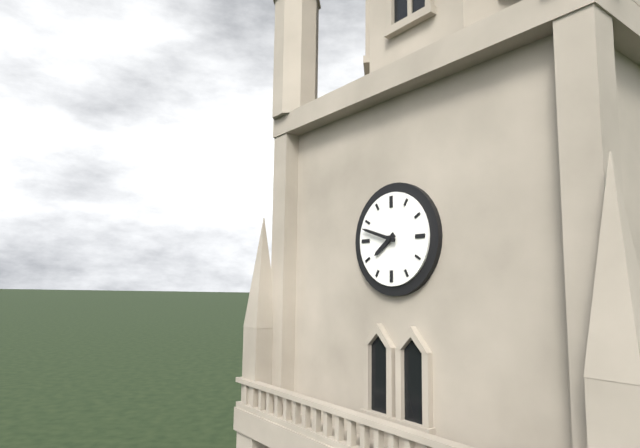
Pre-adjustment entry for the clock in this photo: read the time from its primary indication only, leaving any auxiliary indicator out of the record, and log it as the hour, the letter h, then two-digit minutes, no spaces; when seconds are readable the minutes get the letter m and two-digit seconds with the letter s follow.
7h48
